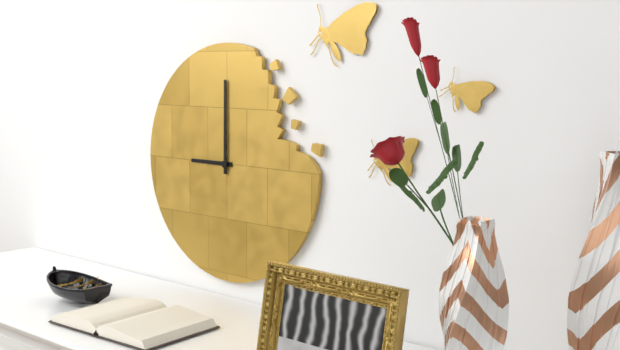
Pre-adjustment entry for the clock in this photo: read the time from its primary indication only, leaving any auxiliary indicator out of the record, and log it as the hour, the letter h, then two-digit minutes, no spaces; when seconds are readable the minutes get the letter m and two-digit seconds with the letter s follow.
9h00
